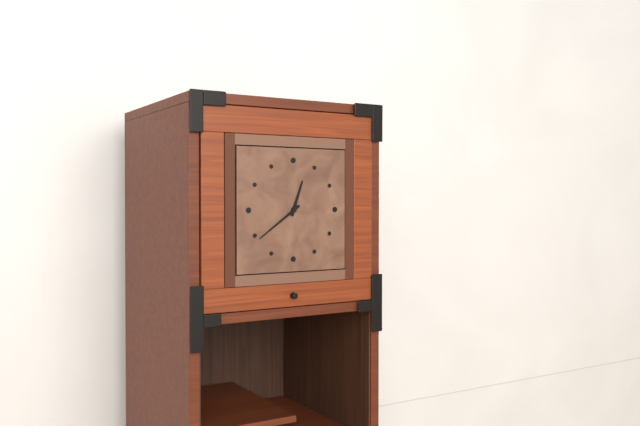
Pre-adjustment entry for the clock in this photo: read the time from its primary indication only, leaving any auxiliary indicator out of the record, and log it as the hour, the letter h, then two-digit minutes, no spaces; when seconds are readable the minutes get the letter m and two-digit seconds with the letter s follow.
12h39
